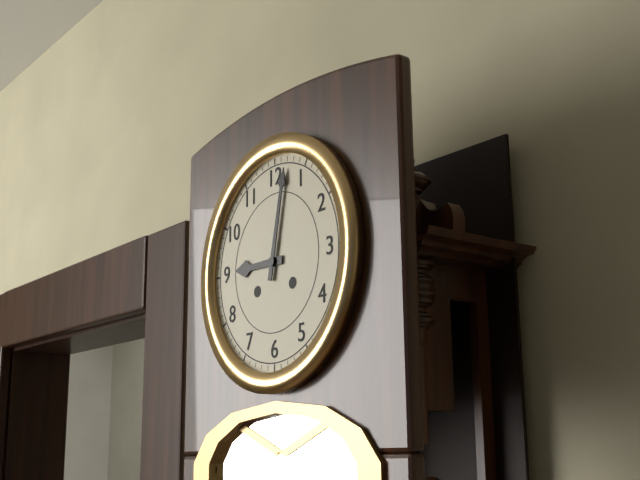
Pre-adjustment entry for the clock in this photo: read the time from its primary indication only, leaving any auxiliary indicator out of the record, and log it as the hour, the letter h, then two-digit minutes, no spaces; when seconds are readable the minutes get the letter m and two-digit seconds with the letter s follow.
9h02
